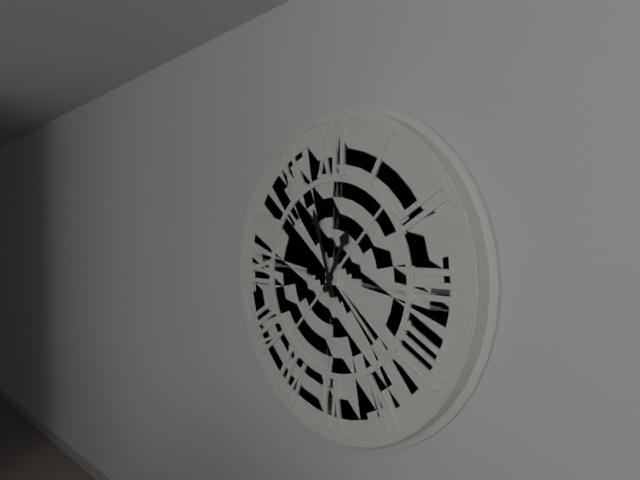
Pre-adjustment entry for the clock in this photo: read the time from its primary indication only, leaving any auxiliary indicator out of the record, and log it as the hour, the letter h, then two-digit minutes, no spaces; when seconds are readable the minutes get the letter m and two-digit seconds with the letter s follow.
12h57
